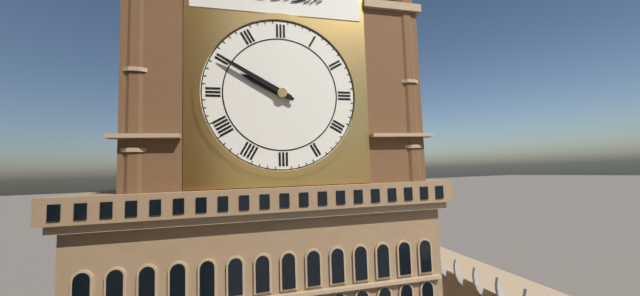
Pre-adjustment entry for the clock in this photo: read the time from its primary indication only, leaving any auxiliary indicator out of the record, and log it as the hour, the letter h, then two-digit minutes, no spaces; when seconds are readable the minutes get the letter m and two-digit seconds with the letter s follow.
9h50
